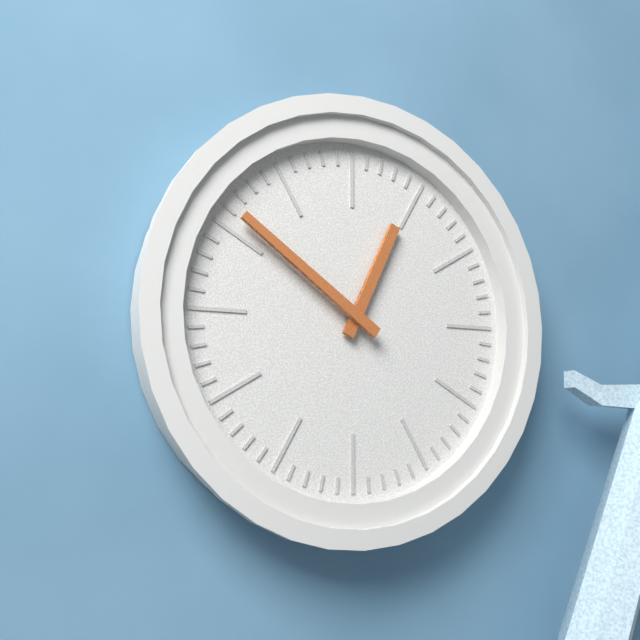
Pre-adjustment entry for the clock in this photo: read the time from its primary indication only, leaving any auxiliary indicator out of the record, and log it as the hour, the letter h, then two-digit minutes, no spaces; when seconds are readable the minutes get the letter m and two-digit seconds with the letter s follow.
12h51
